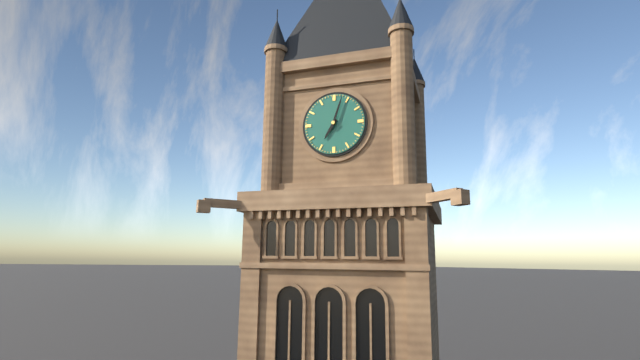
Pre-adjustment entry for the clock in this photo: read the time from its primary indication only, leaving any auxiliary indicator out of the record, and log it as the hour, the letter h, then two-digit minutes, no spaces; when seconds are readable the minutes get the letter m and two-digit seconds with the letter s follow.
7h03
